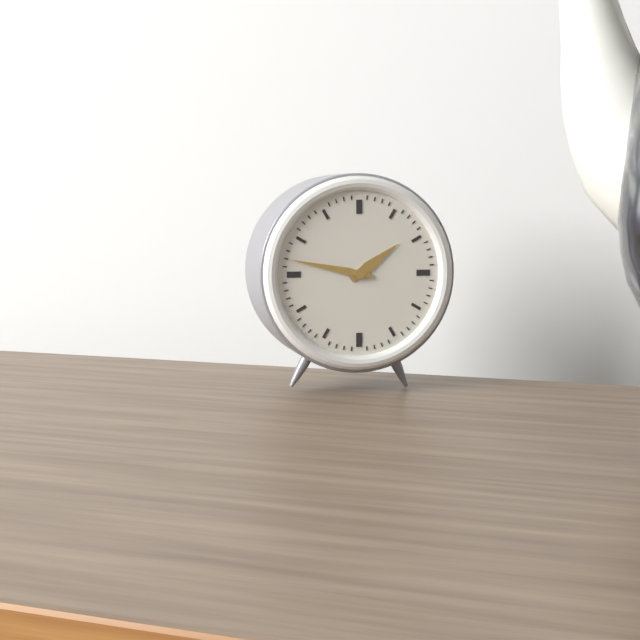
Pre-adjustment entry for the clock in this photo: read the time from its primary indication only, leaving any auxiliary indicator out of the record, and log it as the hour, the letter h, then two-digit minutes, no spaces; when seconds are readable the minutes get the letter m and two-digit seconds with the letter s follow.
1h47
